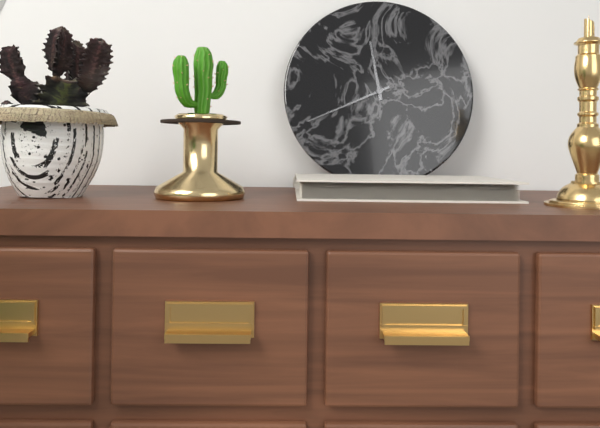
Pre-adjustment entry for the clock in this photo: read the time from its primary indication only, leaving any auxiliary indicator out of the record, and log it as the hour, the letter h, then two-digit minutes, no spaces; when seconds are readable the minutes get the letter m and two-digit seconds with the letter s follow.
11h41
